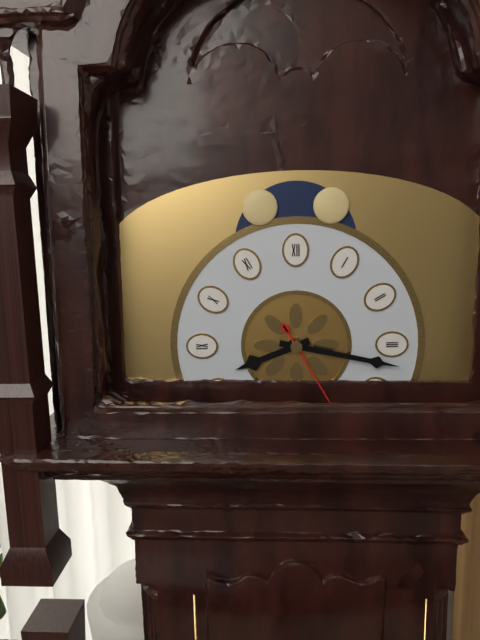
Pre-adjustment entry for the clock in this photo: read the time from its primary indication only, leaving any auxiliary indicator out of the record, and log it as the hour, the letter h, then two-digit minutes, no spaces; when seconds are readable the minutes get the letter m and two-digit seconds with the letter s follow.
8h17
